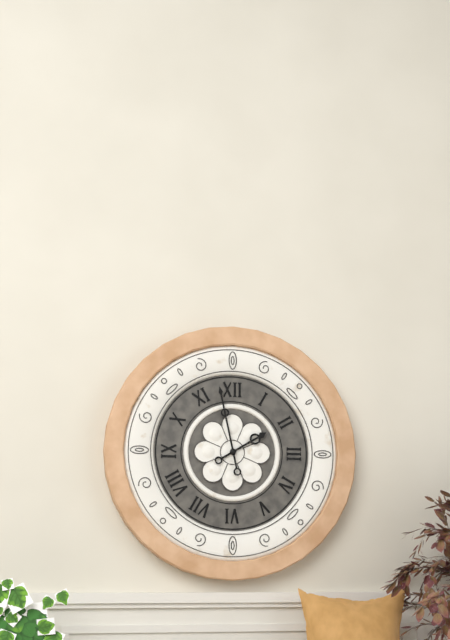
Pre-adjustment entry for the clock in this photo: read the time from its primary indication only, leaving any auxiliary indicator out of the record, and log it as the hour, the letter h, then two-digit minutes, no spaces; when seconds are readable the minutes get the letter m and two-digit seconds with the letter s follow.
1h58
